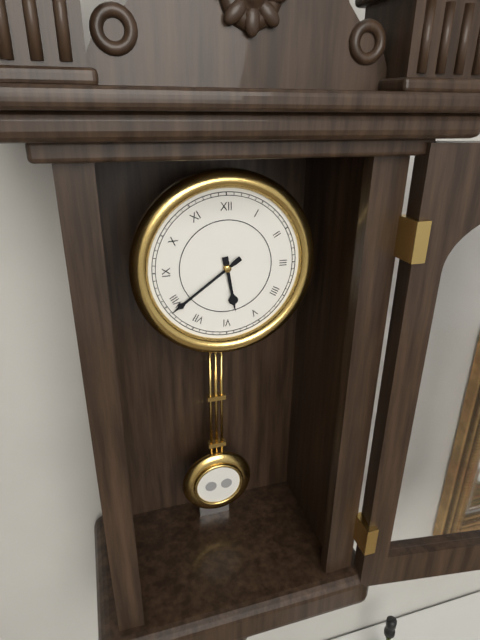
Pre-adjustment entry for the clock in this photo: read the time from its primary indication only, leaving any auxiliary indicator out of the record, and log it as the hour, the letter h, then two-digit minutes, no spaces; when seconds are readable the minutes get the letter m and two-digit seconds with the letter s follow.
5h39
